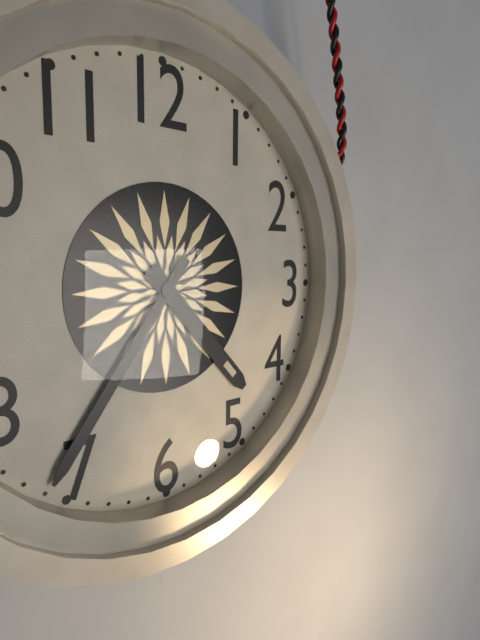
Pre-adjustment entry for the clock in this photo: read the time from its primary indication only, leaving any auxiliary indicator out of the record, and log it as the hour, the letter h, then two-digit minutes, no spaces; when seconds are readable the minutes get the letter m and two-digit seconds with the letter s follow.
4h36
